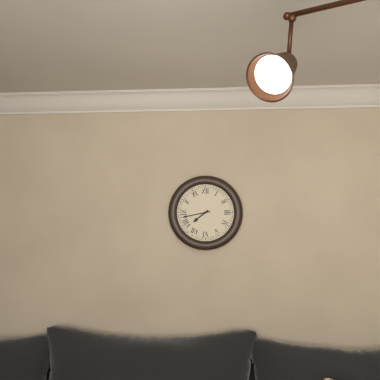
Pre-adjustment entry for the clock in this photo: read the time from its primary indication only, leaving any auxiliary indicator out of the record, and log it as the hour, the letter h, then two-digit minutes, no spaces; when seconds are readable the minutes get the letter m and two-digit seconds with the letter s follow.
7h43
